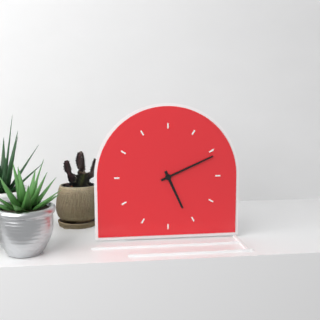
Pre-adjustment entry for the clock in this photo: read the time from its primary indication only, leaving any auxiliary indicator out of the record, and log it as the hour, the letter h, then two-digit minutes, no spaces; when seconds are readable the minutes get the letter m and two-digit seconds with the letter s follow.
5h11
